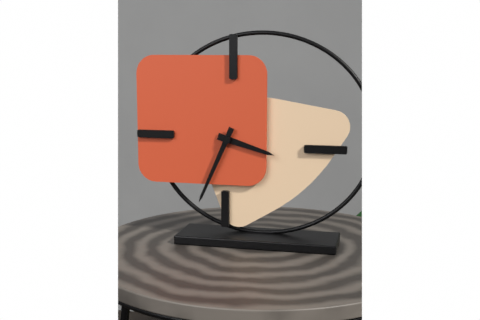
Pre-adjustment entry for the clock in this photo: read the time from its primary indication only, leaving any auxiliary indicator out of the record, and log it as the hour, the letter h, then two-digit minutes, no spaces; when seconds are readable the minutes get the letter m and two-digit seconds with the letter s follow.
3h34
